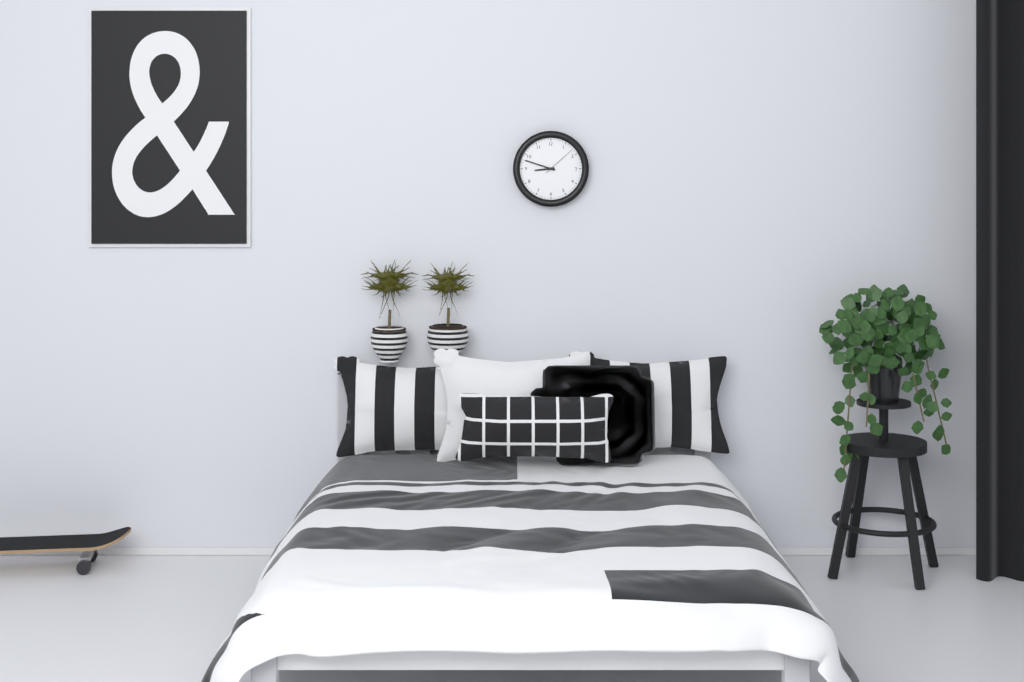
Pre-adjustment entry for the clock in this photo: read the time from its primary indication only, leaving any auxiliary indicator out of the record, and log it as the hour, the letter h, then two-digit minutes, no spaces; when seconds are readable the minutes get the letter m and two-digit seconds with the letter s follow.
8h48
